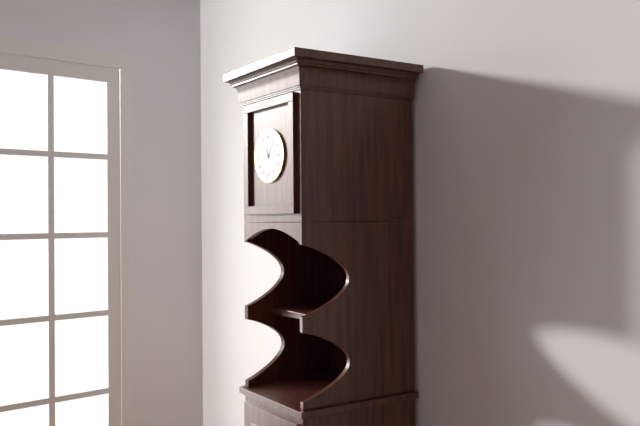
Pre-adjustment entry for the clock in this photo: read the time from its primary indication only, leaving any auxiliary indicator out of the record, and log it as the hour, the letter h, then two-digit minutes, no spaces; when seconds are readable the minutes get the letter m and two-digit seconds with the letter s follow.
11h06
